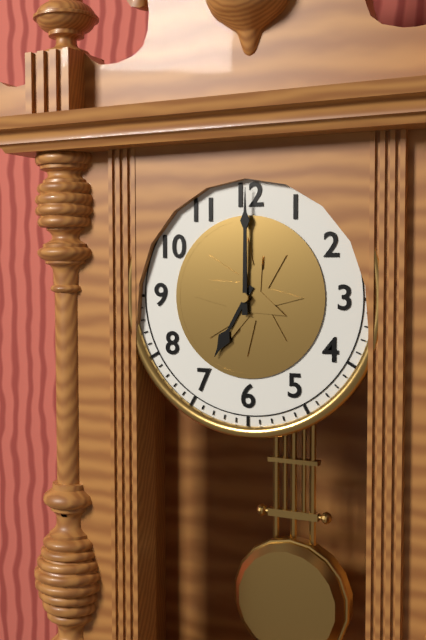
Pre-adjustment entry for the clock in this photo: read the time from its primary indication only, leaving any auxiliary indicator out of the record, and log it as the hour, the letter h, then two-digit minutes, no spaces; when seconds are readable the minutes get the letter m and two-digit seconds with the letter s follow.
7h00
